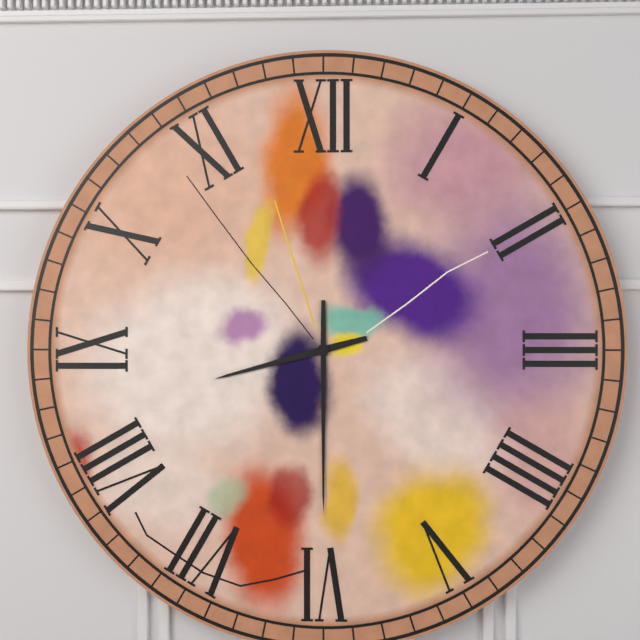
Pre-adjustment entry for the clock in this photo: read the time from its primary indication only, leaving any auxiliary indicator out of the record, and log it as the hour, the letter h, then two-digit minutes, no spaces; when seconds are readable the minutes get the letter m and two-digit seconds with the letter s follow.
8h30
